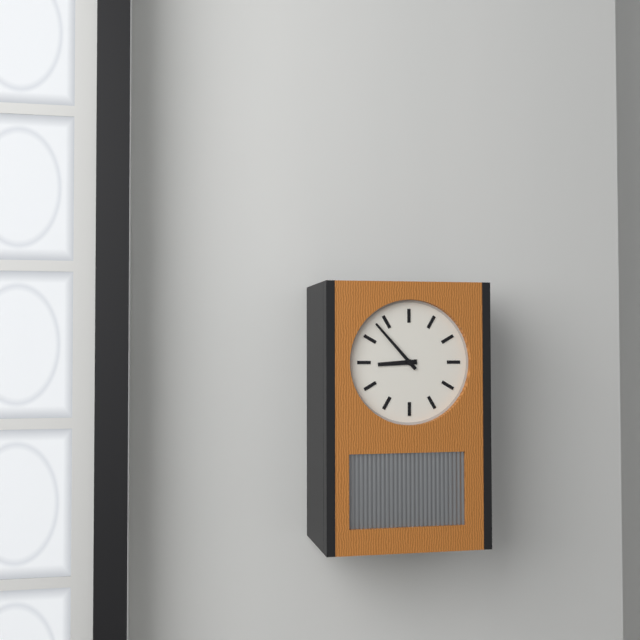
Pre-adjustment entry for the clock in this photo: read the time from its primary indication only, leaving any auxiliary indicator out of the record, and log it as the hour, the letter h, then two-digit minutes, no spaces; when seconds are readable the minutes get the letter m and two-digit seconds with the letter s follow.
8h53
